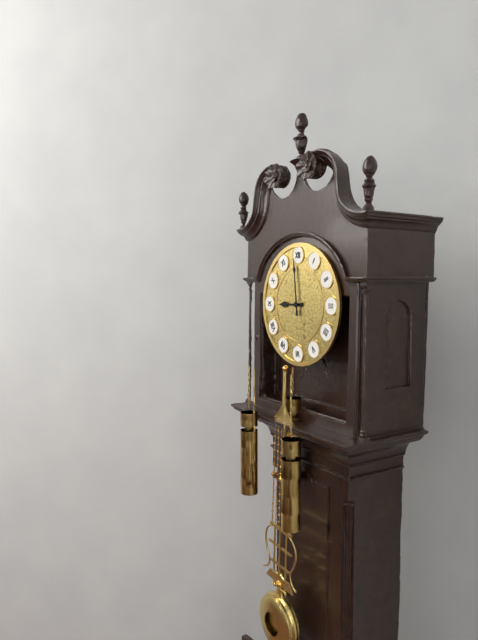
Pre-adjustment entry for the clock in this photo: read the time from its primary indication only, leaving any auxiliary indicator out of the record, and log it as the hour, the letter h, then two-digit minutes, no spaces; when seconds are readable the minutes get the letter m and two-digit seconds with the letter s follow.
8h59
